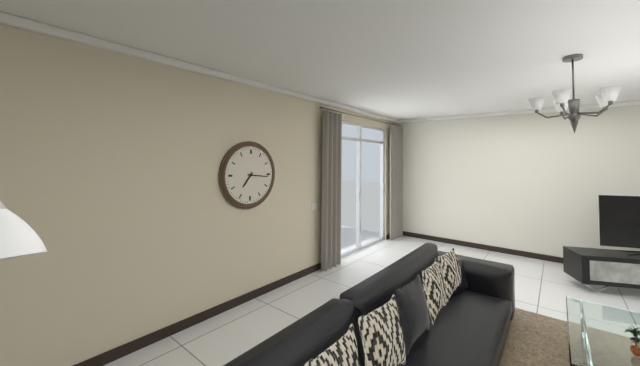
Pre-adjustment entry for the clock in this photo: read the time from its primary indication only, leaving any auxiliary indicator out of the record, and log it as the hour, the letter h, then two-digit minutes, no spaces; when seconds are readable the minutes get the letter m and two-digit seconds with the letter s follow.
7h16
